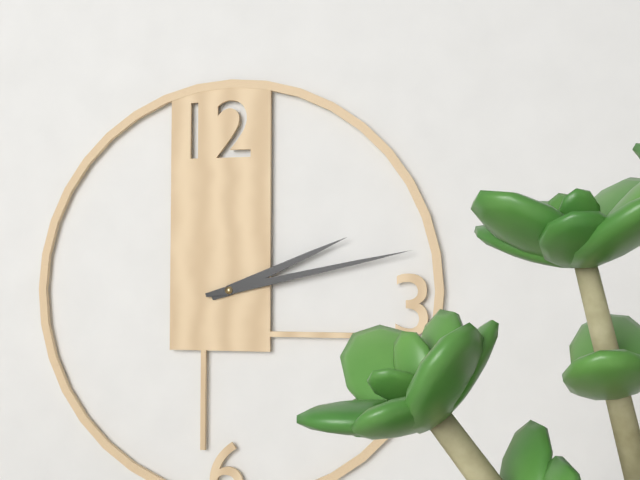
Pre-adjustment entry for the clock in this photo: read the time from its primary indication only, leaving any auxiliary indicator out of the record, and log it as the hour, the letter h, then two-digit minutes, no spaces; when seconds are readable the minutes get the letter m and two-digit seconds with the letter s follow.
2h13
